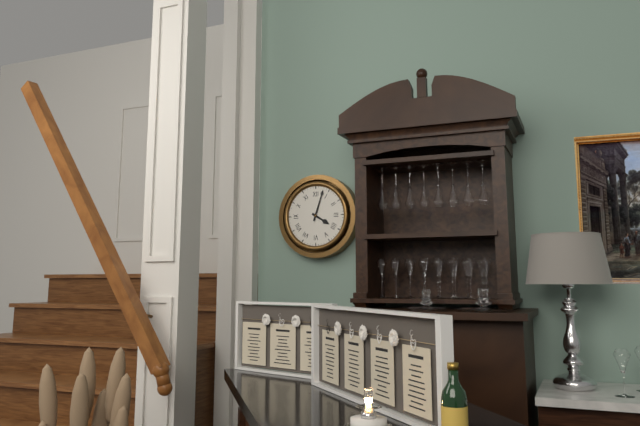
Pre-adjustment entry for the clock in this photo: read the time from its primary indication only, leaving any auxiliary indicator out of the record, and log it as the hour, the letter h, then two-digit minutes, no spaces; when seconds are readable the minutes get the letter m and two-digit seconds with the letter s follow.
4h03
